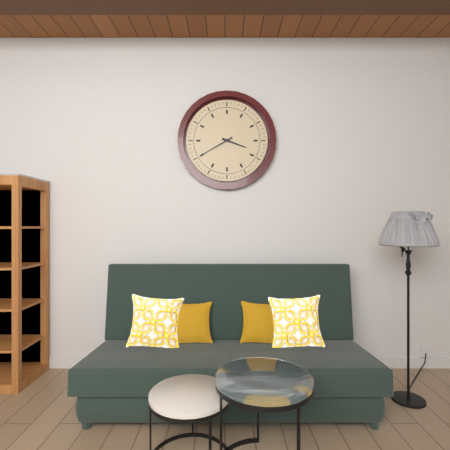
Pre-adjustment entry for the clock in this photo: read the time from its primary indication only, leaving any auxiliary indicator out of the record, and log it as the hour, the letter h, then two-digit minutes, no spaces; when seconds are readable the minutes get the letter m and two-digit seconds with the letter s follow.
3h40
